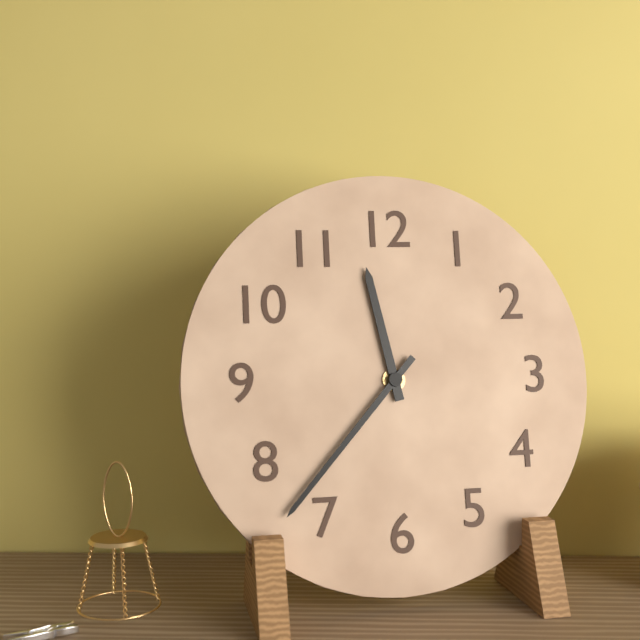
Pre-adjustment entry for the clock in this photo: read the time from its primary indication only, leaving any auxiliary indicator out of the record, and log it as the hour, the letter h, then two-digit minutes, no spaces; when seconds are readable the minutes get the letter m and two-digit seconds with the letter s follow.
11h37
